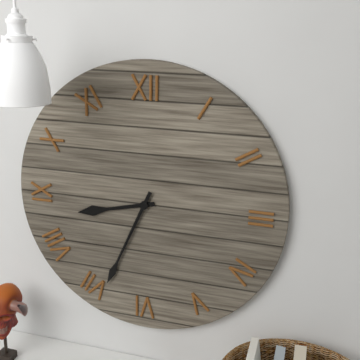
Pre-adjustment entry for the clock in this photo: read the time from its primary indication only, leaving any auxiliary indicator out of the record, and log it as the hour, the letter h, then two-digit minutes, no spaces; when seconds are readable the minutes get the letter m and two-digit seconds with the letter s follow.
8h34
